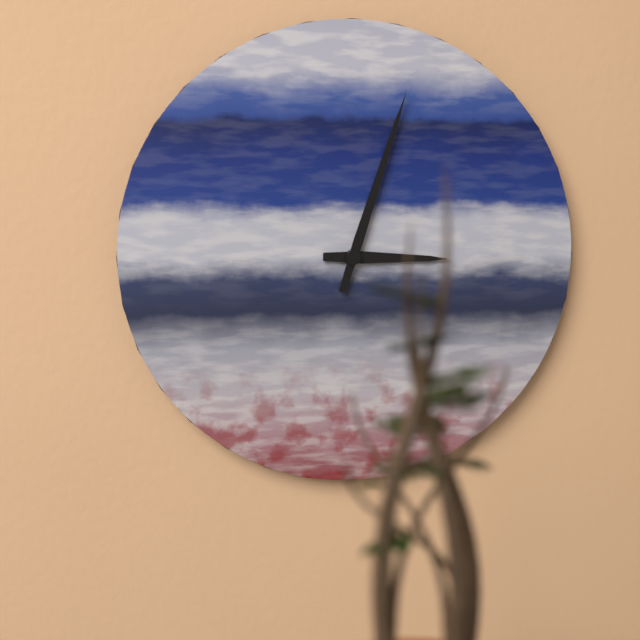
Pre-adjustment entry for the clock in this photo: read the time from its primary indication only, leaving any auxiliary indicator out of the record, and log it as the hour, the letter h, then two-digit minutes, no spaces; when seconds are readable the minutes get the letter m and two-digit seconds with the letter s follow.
3h03
